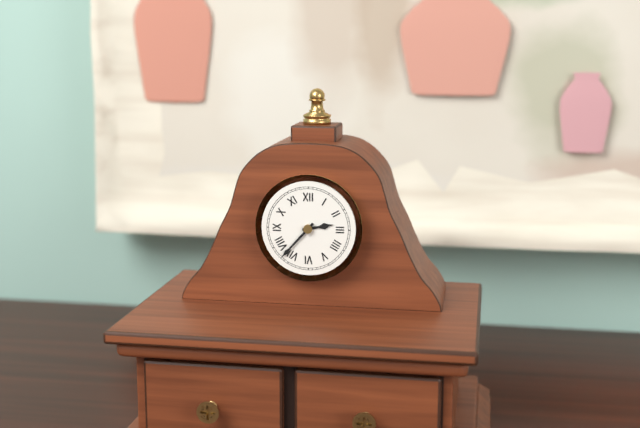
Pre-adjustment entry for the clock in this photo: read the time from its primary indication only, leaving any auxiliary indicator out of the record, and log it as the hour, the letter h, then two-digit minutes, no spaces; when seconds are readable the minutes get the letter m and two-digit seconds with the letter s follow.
2h37
